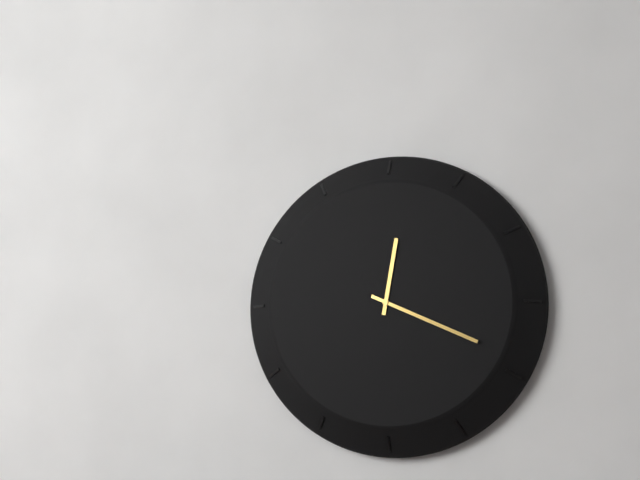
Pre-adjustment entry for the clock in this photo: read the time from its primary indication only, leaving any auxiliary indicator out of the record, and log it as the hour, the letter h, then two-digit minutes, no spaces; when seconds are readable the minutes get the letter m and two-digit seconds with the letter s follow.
12h19
